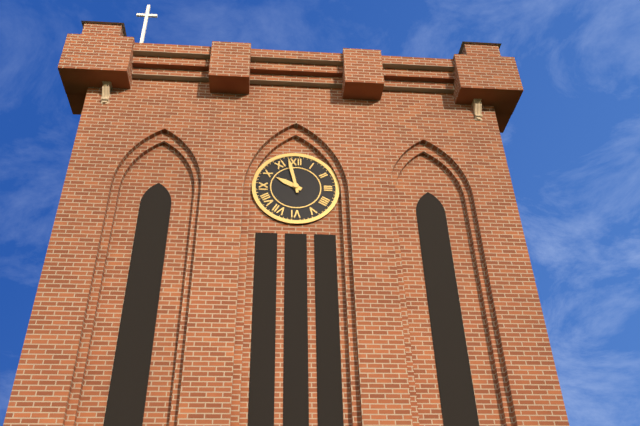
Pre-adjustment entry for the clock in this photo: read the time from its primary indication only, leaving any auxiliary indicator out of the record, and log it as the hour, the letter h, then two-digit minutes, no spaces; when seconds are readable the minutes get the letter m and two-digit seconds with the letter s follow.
9h58
